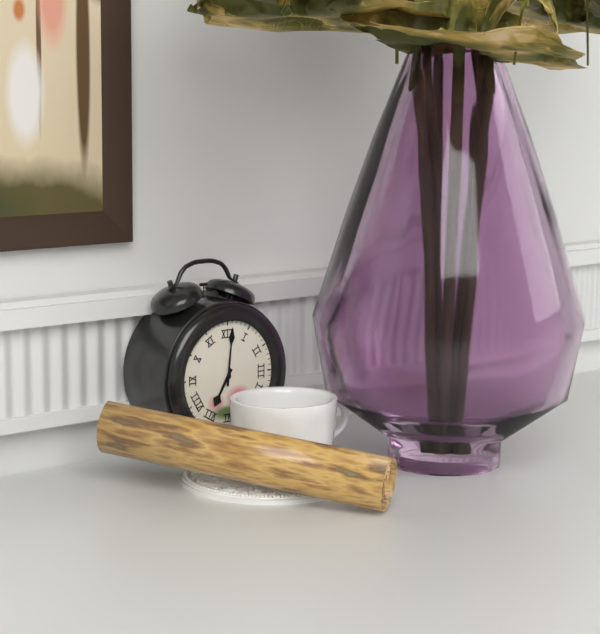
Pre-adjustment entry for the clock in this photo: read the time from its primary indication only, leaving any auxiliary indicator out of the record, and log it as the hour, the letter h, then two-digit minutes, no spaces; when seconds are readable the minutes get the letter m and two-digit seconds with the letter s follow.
7h01
